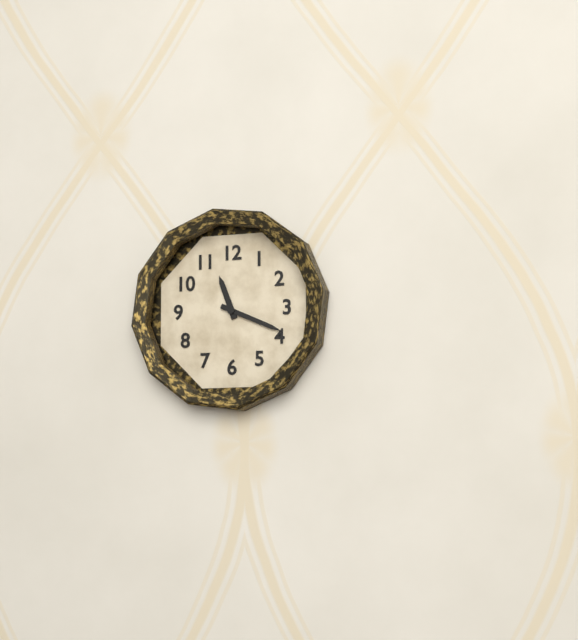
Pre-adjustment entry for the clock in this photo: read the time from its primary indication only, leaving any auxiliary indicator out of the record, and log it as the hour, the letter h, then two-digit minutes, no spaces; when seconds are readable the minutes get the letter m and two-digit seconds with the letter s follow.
11h19
